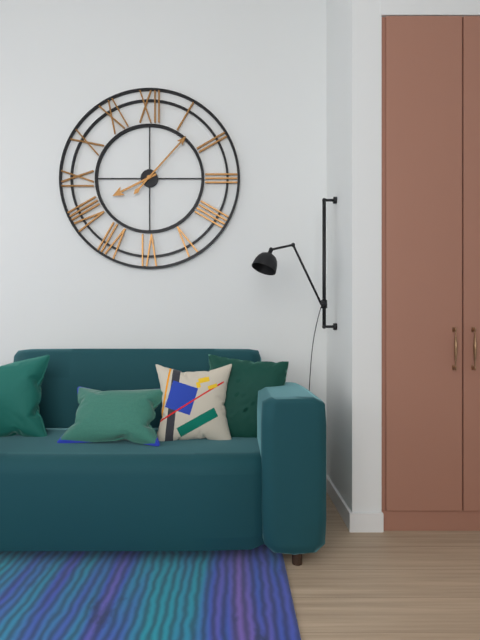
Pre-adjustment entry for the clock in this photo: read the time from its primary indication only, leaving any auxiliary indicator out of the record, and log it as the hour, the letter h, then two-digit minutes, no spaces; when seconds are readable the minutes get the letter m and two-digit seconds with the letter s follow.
8h07
